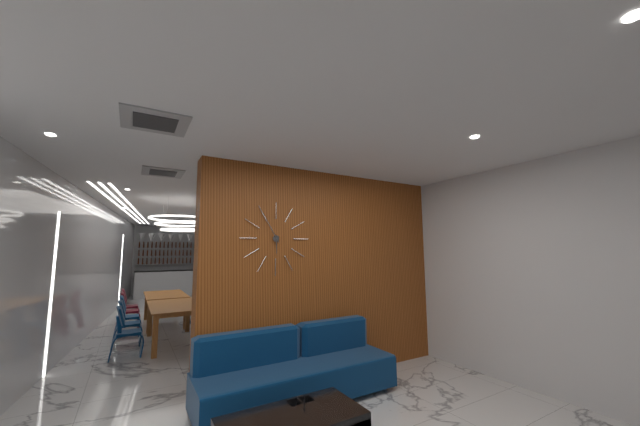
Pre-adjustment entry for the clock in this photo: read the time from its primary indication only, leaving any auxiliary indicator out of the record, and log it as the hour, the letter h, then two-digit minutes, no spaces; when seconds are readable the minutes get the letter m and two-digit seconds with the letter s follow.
5h55
